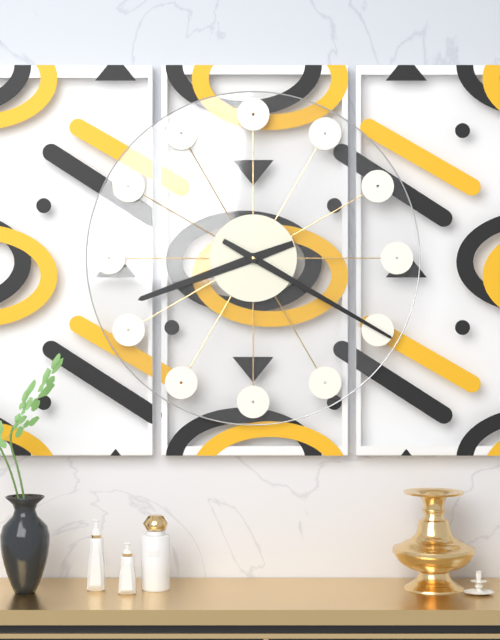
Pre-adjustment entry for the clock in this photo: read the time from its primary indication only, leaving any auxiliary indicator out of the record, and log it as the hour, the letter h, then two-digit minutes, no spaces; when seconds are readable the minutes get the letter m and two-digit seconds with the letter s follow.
8h20
